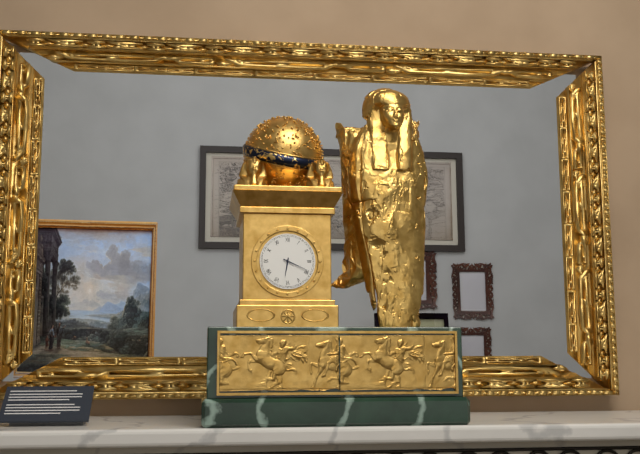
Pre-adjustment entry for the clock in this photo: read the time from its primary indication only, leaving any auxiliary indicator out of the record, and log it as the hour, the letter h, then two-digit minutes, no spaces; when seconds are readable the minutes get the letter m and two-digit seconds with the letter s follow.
6h19
